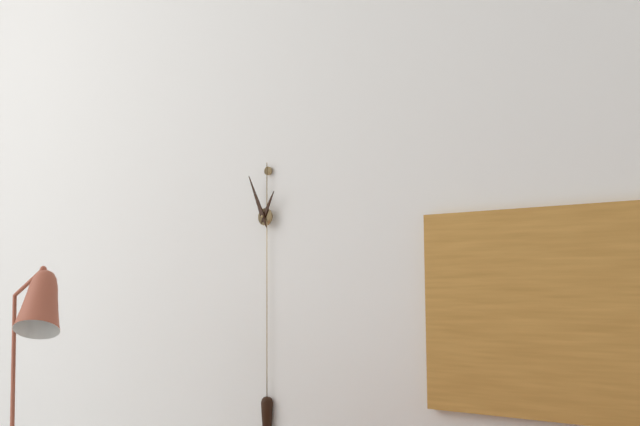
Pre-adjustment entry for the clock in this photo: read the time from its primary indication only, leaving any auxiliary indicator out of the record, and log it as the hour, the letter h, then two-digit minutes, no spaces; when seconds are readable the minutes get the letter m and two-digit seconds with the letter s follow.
12h56
